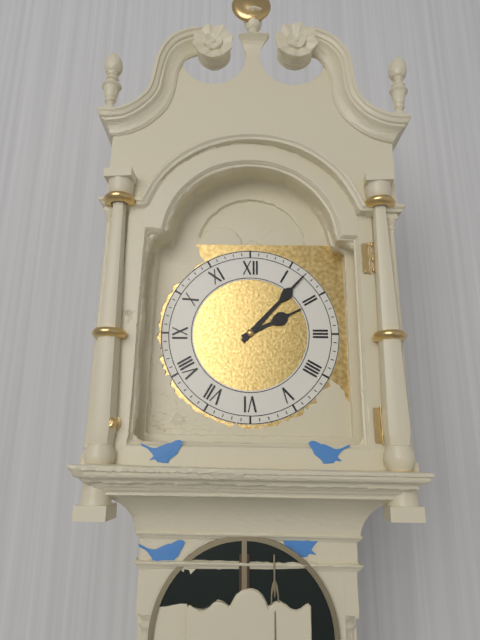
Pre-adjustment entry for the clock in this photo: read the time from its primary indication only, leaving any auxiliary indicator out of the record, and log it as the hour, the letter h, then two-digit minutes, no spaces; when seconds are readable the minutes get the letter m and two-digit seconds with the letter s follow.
2h07
